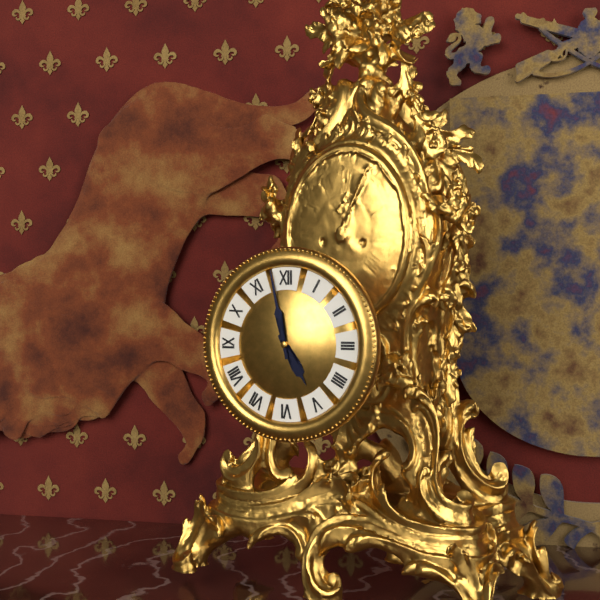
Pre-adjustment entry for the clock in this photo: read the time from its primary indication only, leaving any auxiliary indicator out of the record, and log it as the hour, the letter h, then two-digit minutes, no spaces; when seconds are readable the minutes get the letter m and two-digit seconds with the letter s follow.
4h58
